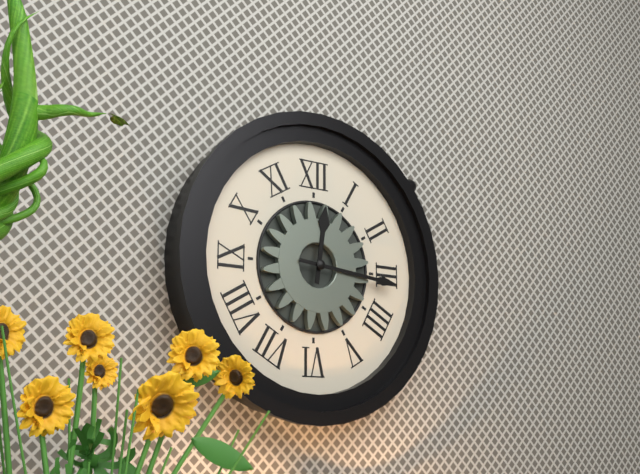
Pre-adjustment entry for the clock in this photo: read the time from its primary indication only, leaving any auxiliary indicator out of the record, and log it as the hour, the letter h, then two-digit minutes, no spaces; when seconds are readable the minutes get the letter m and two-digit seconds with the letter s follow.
12h16
